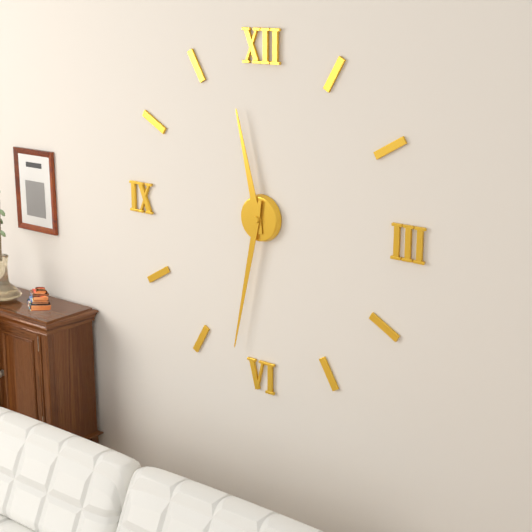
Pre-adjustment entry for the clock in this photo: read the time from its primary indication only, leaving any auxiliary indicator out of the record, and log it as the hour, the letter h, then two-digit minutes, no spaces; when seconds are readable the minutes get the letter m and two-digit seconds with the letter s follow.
11h32
